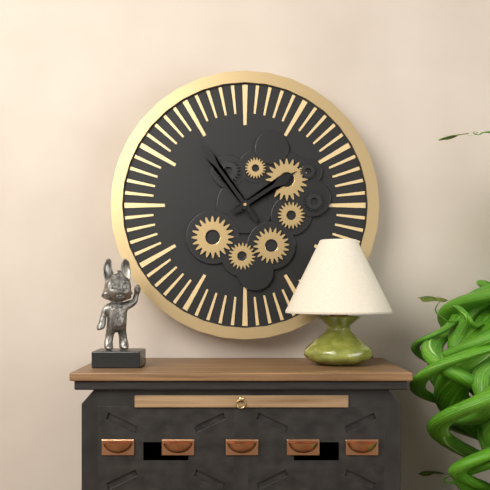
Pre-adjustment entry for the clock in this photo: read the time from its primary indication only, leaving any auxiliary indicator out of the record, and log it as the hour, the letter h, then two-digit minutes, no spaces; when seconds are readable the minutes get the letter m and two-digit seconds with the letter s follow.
1h54
